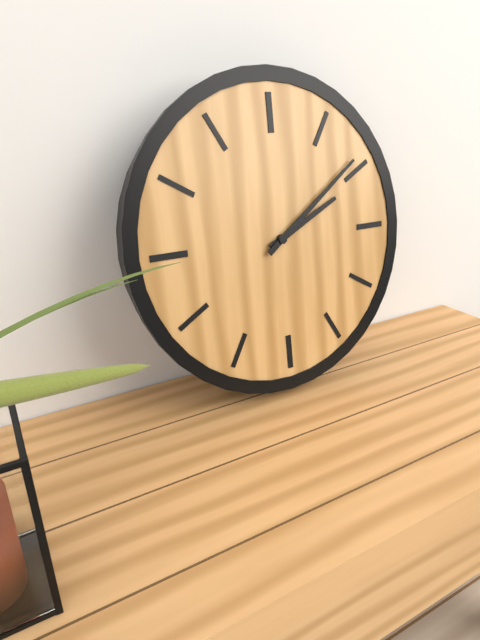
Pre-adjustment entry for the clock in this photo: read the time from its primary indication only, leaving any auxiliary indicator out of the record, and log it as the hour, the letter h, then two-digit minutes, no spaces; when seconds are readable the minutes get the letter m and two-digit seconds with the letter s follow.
2h09
